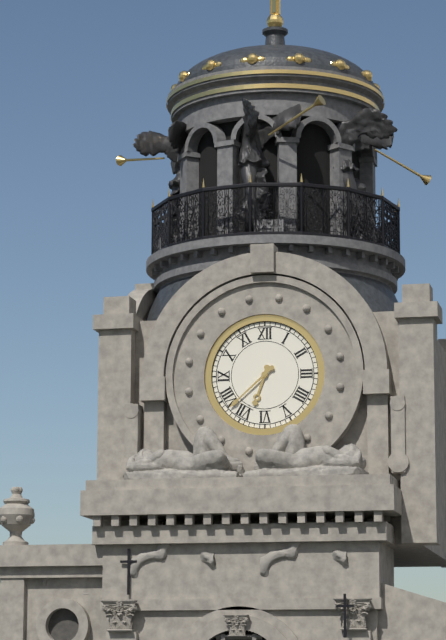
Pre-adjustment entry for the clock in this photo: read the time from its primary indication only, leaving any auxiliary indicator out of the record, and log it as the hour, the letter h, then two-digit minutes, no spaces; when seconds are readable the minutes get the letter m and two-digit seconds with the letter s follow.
6h38
